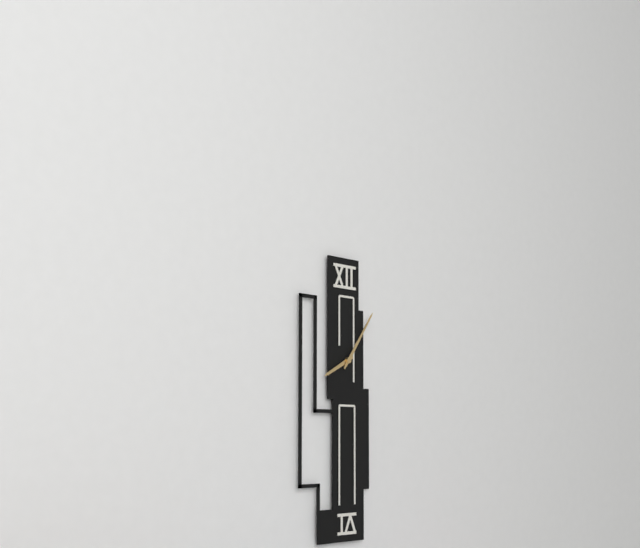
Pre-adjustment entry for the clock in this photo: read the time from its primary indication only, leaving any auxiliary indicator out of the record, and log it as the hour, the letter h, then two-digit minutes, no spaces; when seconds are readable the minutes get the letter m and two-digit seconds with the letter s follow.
8h06
